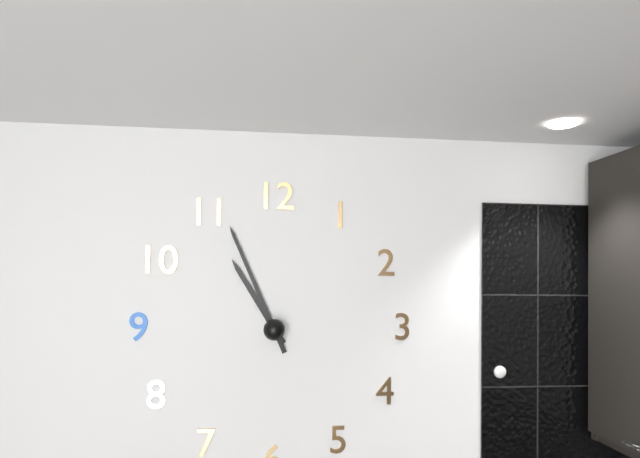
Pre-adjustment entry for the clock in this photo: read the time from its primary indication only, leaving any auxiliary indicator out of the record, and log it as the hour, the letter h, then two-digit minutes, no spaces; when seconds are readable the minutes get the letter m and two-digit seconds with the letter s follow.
10h56
